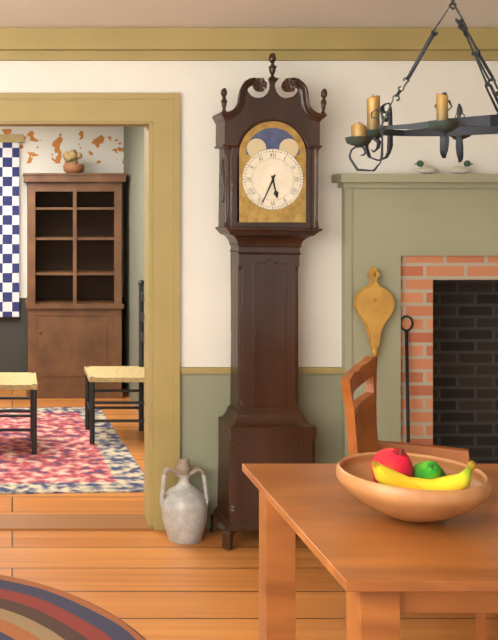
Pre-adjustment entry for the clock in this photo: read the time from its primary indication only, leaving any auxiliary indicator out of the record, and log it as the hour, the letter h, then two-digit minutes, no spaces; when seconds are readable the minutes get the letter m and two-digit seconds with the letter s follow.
5h34
